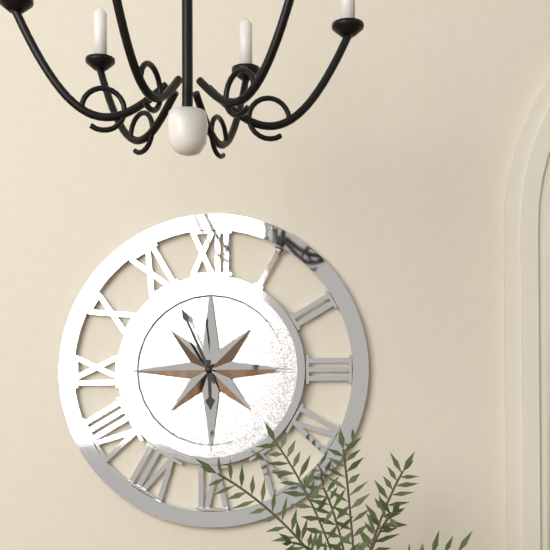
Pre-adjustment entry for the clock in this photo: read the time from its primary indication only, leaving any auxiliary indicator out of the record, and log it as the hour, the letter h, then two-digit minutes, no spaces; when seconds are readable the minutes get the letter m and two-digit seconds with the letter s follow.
5h56
